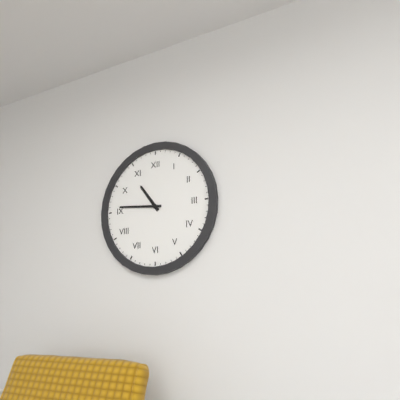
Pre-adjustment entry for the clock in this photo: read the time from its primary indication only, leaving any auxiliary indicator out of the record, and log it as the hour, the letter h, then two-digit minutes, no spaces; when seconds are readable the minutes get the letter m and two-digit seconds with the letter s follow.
10h46
